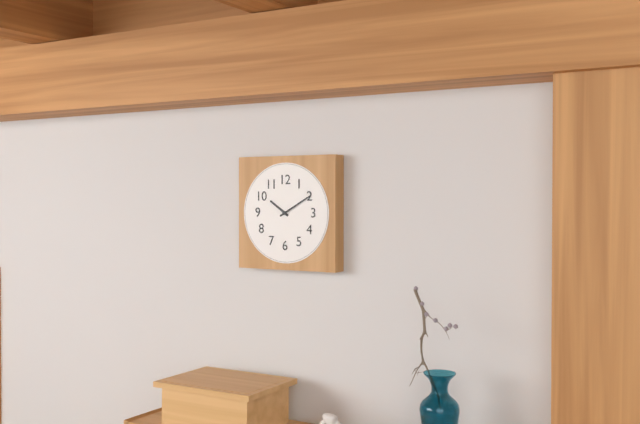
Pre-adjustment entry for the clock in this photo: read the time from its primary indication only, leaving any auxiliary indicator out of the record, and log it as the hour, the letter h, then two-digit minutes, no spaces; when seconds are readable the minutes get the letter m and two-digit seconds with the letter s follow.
10h10
